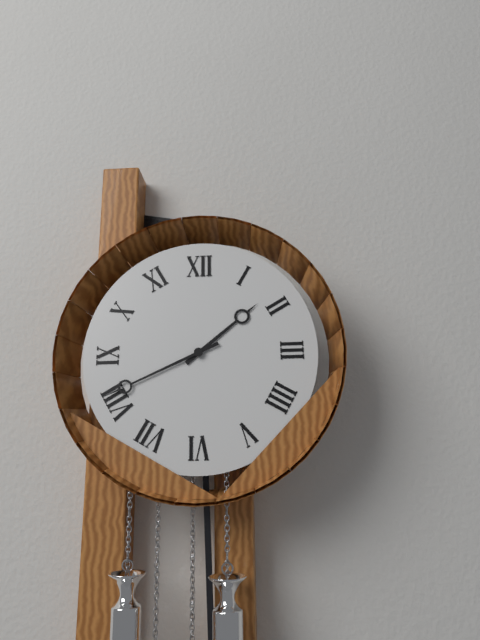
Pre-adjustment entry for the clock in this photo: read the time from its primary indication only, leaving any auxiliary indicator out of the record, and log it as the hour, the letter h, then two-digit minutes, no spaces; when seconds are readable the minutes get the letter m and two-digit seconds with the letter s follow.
1h41
